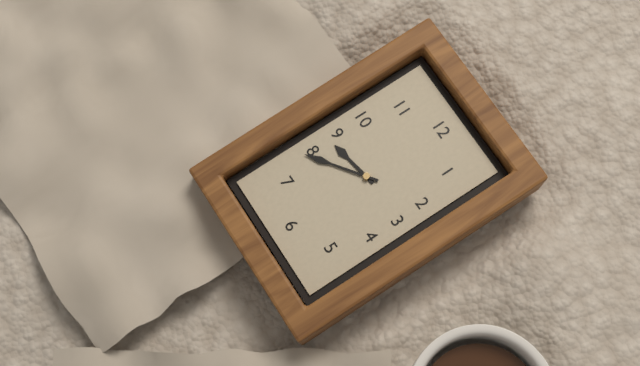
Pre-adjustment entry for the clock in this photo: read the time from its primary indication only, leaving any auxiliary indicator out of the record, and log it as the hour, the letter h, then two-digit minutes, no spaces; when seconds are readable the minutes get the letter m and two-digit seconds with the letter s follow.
8h39
